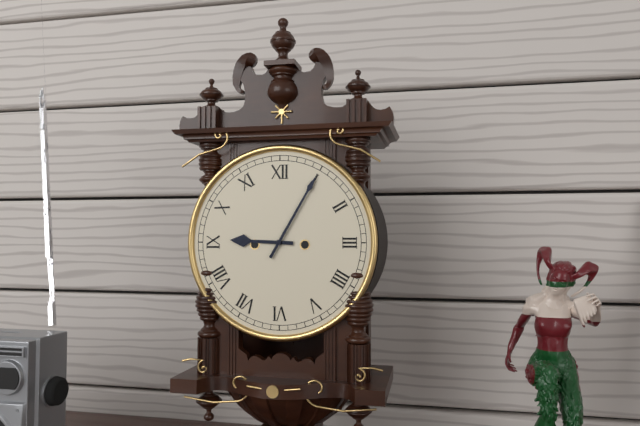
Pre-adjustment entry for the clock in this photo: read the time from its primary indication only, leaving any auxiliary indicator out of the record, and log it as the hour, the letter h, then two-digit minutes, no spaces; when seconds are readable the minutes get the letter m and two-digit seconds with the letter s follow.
9h05
